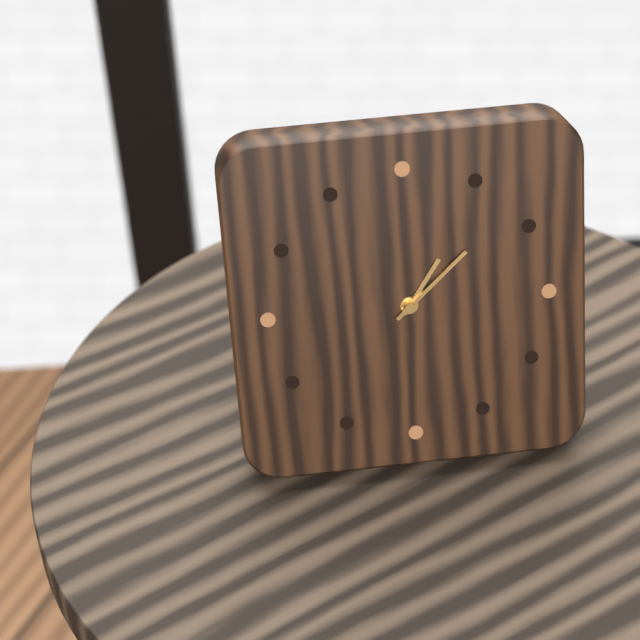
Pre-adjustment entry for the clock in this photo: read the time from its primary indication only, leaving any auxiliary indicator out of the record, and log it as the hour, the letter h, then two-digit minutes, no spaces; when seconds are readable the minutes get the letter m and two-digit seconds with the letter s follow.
1h08
